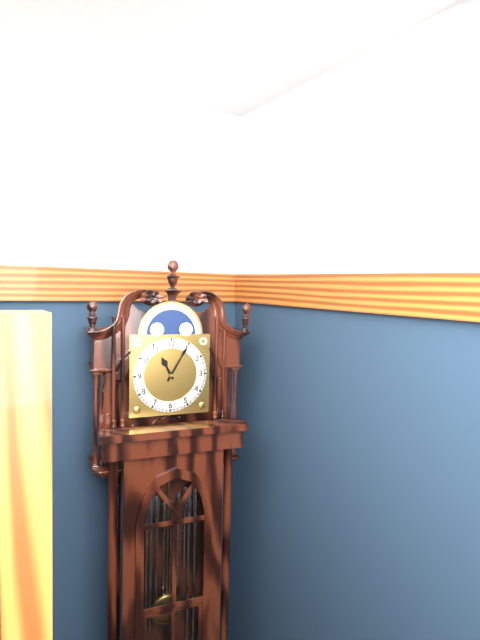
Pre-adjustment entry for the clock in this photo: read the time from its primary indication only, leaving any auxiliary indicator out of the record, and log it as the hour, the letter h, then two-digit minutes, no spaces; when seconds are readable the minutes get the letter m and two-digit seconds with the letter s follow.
11h05
